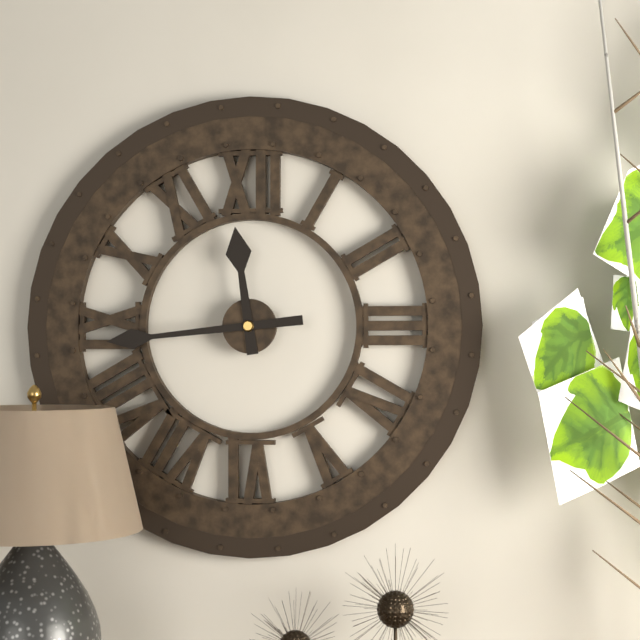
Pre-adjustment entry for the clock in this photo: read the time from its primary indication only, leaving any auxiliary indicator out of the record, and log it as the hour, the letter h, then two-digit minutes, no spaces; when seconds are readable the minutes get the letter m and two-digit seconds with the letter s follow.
11h44
